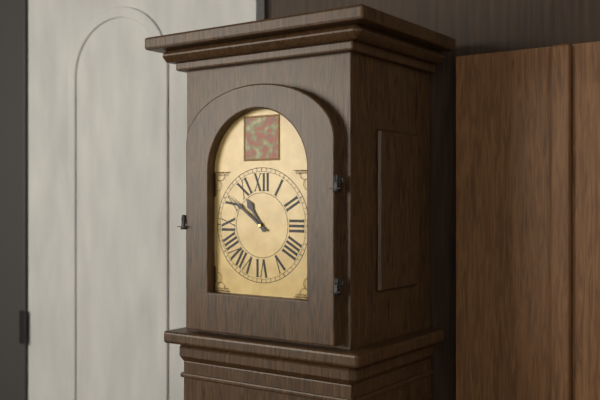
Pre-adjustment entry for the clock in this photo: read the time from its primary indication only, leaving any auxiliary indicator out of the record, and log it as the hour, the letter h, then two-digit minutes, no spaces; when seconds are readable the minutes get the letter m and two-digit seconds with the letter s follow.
10h51
